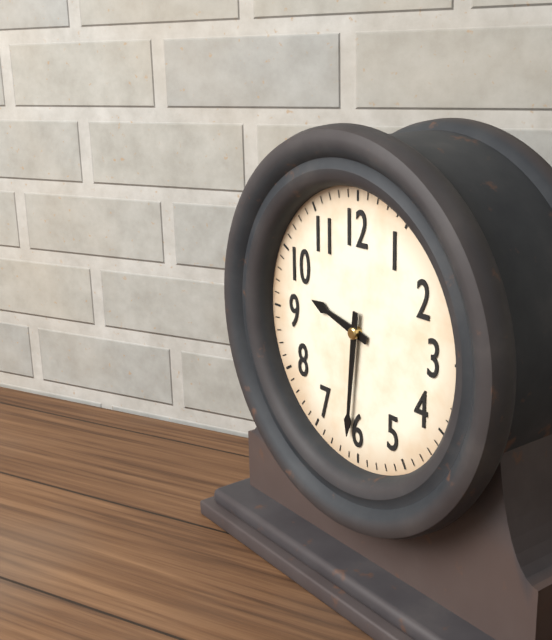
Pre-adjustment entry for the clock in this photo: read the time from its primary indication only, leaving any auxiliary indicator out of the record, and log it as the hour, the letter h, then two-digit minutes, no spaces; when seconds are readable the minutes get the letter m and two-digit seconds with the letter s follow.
9h31
